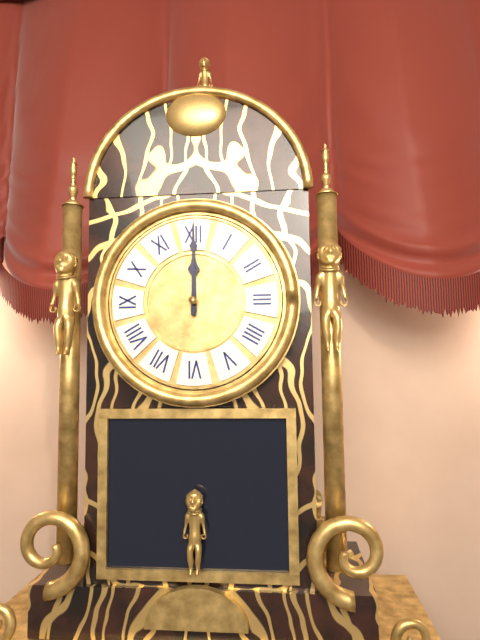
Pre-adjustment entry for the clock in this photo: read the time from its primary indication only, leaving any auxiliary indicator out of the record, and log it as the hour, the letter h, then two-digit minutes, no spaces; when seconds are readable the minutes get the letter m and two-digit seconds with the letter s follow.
12h00
